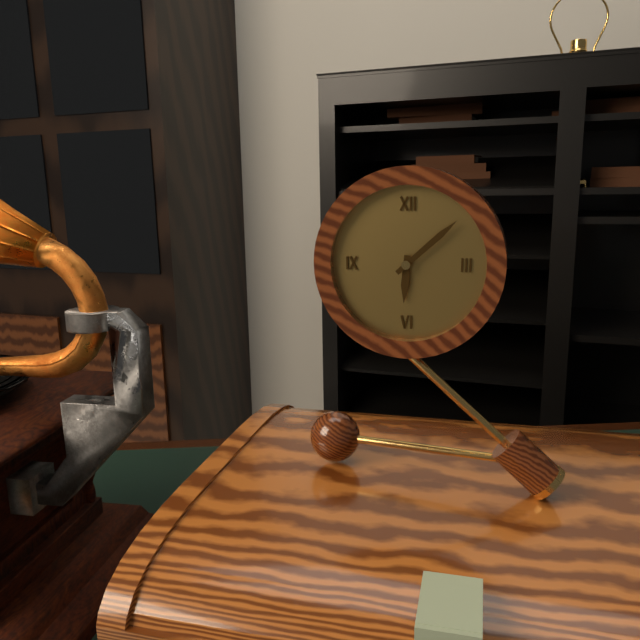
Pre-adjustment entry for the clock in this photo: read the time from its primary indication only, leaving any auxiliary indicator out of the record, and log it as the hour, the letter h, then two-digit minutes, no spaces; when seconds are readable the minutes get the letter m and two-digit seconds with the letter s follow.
6h08
